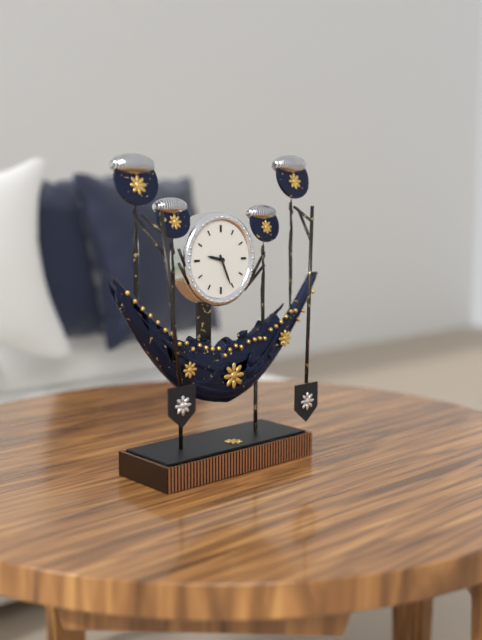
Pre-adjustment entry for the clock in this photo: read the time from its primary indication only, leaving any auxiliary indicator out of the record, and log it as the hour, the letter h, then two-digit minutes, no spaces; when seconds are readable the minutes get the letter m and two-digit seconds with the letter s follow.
9h26
